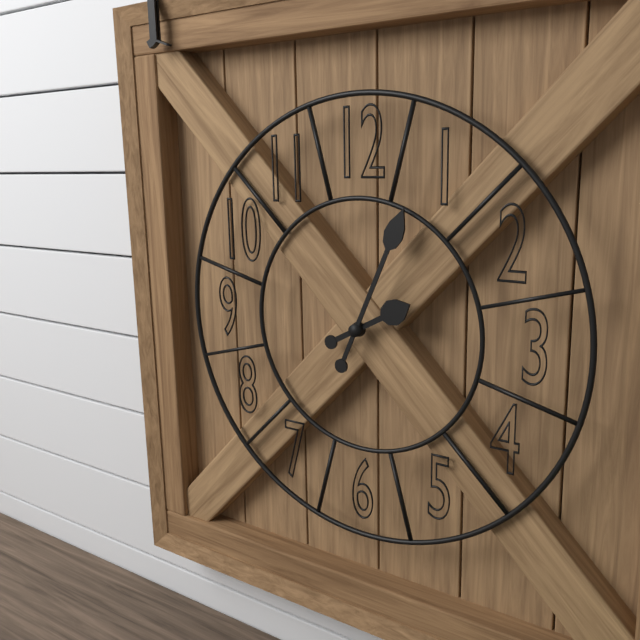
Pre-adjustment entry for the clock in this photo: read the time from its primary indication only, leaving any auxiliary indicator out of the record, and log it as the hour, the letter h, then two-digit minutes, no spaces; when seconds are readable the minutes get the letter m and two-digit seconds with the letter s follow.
2h04
